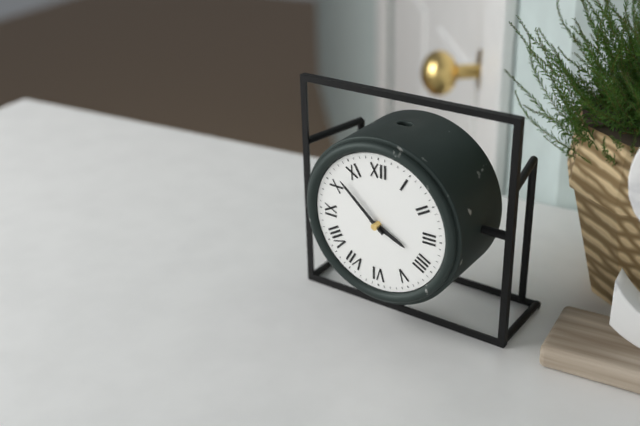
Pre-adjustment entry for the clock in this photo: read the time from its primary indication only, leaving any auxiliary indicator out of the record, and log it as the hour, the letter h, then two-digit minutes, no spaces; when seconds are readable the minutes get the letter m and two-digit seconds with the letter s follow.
3h52
